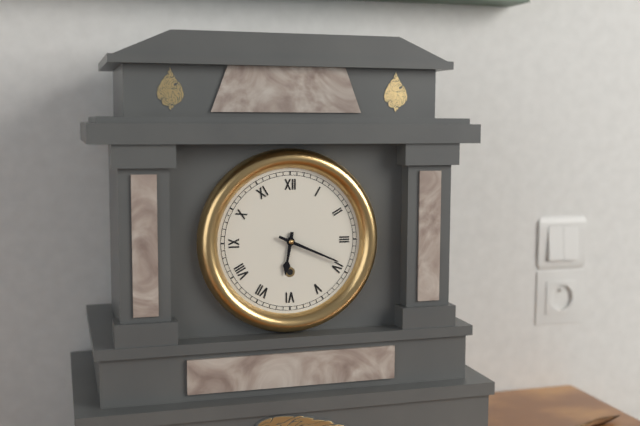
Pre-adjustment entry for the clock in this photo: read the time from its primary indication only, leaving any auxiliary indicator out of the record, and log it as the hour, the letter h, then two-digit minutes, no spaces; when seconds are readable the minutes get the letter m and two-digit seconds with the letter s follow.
6h19
